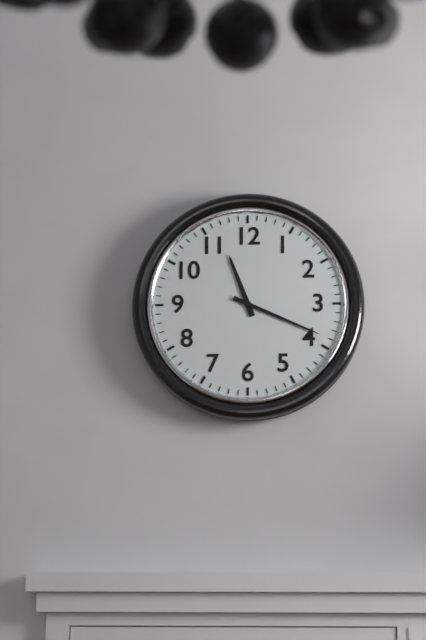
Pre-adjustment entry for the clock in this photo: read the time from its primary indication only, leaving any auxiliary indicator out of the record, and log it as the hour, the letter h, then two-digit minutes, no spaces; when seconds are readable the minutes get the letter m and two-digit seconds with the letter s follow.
11h19
